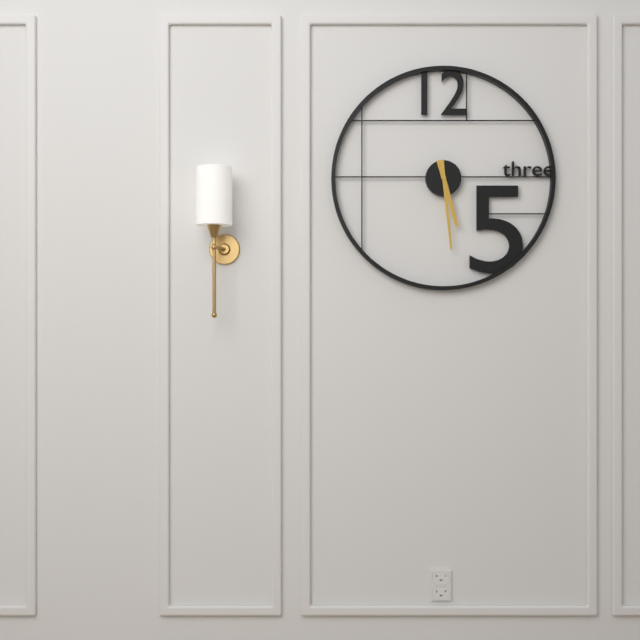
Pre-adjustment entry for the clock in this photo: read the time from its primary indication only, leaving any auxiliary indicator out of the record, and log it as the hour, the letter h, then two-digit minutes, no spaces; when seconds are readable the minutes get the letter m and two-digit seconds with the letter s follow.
5h29
